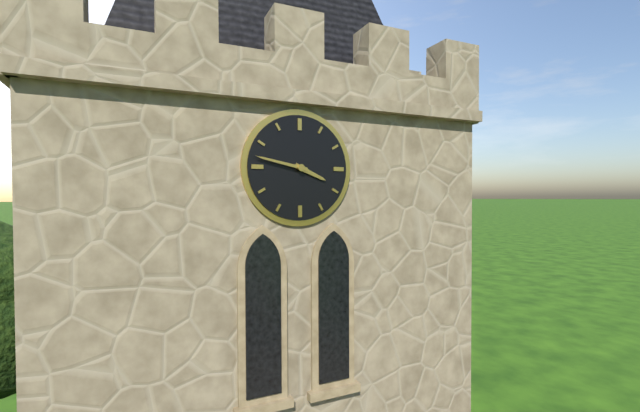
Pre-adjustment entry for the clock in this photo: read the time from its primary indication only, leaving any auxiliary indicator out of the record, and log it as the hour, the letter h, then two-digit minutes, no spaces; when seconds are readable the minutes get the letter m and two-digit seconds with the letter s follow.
3h47
